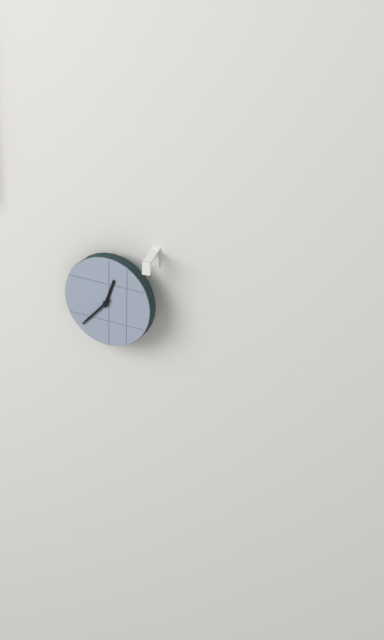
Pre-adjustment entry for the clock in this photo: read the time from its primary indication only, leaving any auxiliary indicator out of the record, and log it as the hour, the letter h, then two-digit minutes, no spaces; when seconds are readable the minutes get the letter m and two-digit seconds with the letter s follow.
12h37
